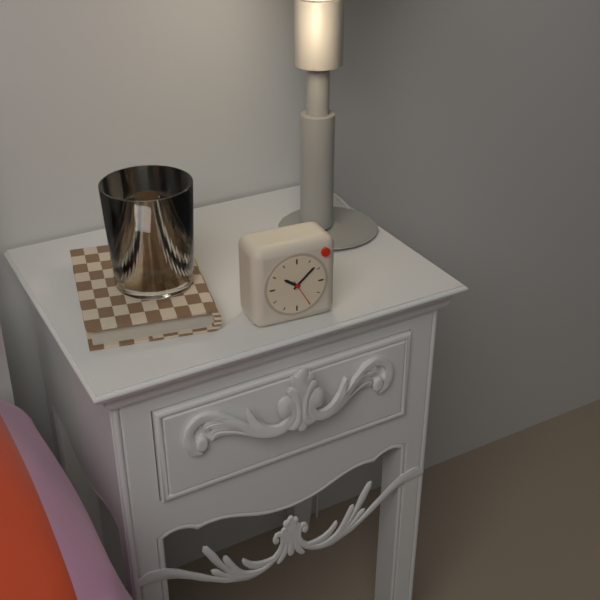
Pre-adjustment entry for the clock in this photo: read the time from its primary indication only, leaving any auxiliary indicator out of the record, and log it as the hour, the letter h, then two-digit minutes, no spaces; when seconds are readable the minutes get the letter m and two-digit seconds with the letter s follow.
10h08
